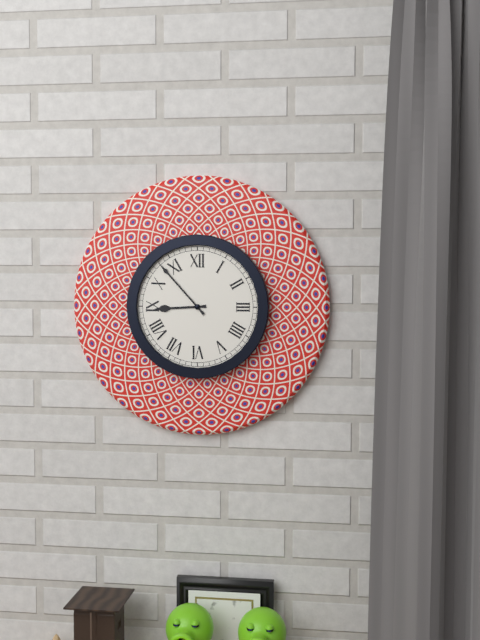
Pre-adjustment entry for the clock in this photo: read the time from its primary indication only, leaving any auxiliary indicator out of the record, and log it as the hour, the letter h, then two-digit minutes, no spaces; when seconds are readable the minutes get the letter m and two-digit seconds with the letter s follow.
8h53
